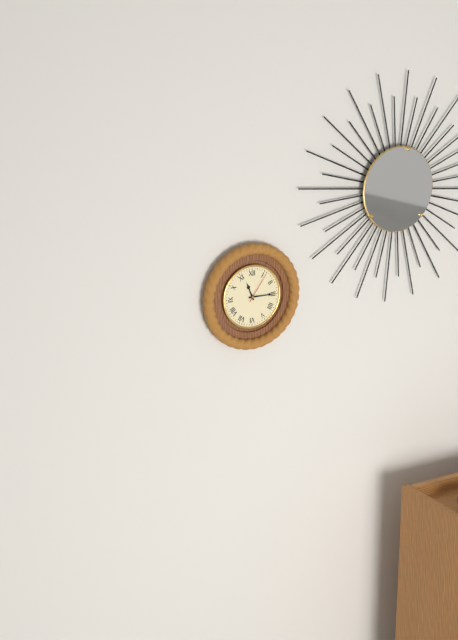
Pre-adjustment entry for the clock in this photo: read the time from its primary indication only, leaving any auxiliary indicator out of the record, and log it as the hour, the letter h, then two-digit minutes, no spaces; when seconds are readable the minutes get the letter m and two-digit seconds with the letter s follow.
11h15
